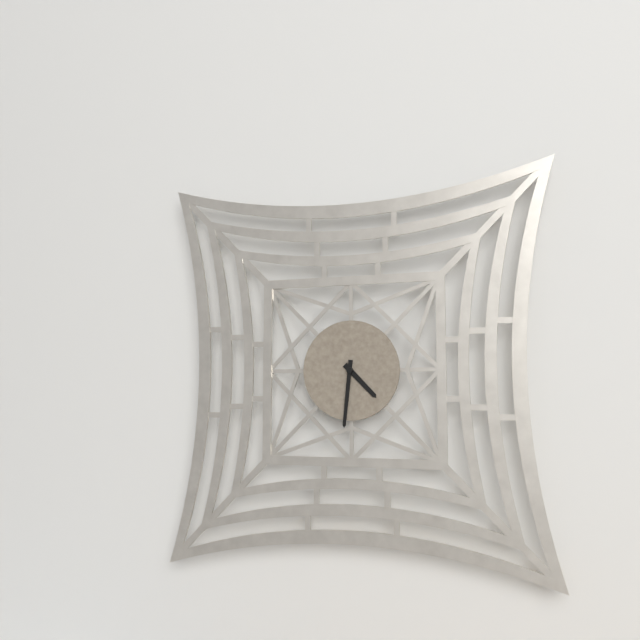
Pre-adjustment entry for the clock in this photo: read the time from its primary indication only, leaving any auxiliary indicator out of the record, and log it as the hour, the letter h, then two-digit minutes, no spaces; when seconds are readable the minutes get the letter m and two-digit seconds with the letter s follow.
4h31
